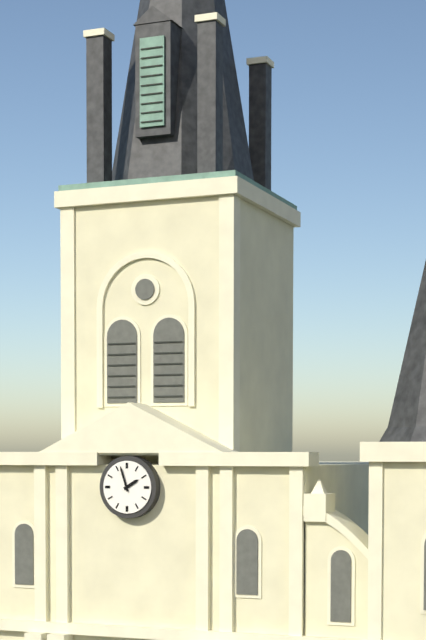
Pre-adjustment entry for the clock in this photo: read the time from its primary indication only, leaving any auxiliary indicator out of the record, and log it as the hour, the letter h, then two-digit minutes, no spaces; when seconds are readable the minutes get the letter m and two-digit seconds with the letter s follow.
1h57
